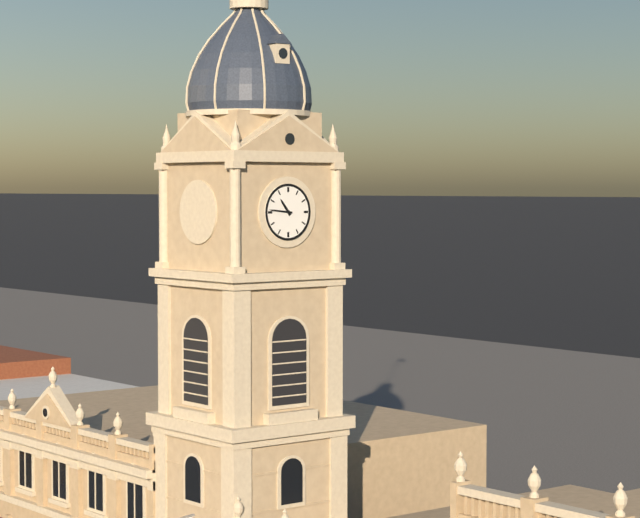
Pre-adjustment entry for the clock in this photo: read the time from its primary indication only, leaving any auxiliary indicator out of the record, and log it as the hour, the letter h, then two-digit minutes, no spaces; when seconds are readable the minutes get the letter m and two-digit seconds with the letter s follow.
10h46
